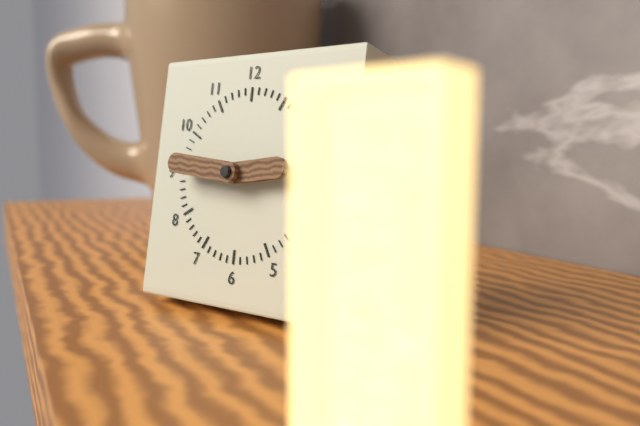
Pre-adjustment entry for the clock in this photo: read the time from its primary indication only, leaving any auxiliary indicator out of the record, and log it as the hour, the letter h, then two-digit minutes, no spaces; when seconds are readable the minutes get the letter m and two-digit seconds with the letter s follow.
2h46
